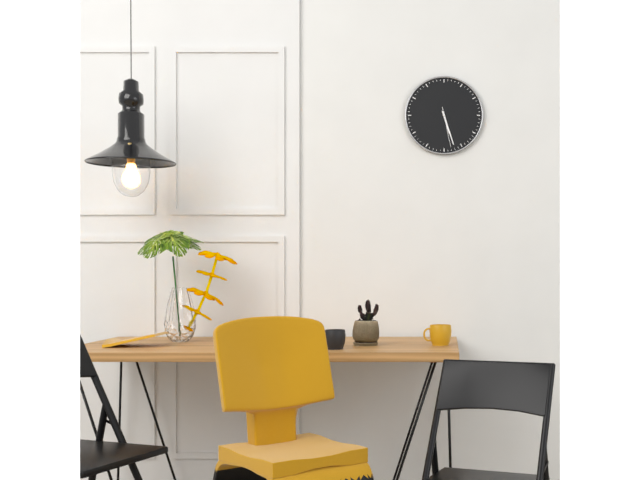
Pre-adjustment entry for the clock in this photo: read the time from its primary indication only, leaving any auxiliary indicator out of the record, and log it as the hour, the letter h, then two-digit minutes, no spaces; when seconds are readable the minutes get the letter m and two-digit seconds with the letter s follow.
5h27
